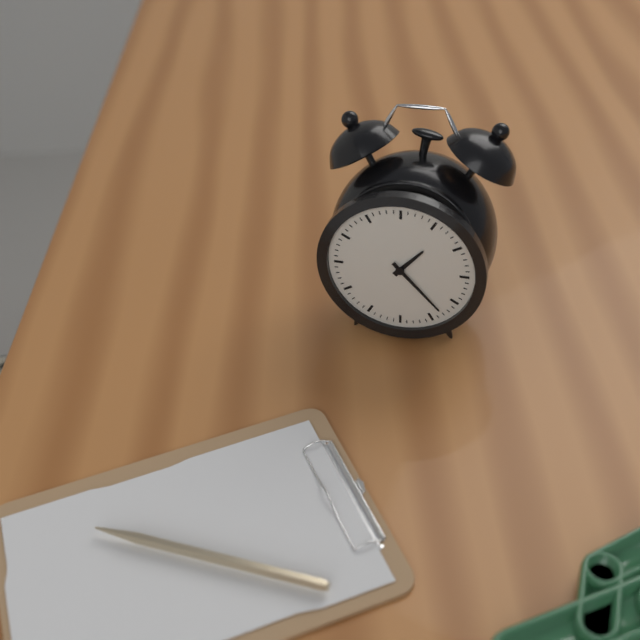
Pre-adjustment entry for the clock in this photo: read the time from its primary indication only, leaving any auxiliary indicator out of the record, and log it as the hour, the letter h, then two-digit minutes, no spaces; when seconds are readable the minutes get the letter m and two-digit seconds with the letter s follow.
1h23
